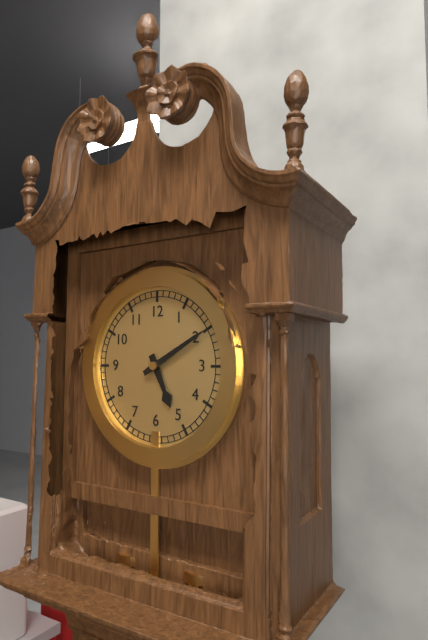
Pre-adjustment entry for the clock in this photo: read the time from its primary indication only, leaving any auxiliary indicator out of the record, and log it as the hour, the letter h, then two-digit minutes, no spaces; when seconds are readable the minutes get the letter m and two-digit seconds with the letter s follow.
5h10
